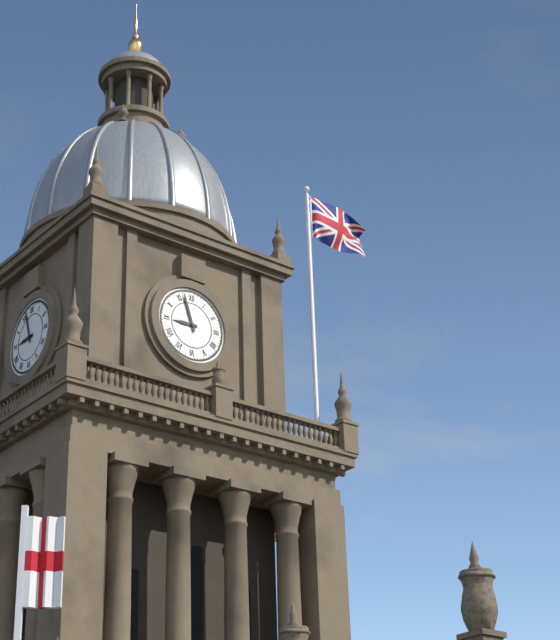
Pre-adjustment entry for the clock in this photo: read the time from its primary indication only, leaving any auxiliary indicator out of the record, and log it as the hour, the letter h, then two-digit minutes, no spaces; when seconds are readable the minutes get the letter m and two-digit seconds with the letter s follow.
8h57
